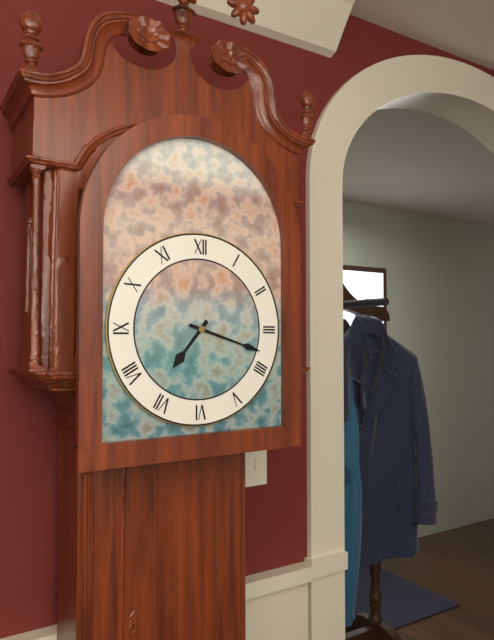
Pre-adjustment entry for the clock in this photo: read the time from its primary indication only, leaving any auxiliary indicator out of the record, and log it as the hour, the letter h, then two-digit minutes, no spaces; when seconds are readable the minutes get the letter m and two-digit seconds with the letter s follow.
7h18
